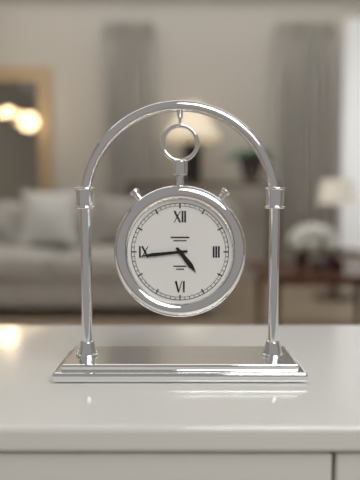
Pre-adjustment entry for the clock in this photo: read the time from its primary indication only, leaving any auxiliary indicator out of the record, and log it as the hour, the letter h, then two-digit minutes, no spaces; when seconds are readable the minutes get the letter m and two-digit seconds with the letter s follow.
4h44
